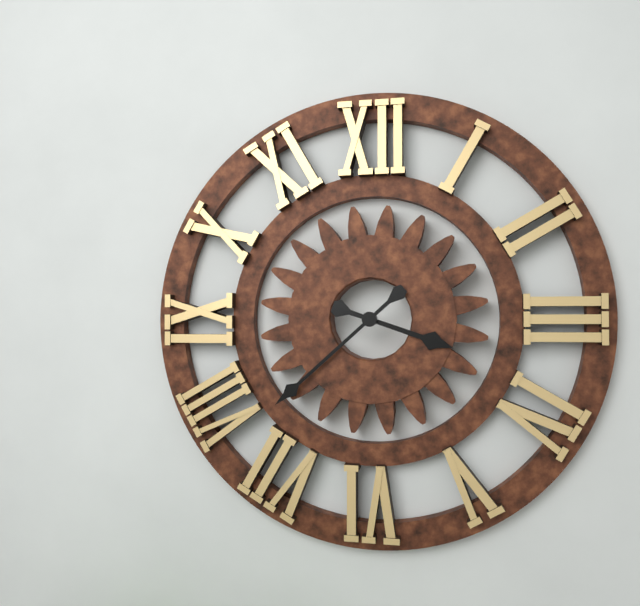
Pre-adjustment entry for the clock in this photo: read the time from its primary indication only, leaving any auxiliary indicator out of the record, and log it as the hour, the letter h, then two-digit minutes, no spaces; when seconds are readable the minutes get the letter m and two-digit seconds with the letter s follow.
3h38
